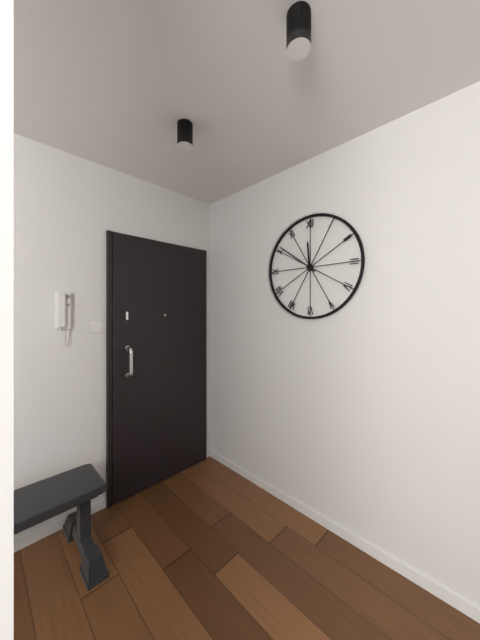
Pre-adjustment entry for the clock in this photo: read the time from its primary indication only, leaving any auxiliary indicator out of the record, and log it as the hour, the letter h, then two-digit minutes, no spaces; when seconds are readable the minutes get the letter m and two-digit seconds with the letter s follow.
11h51
